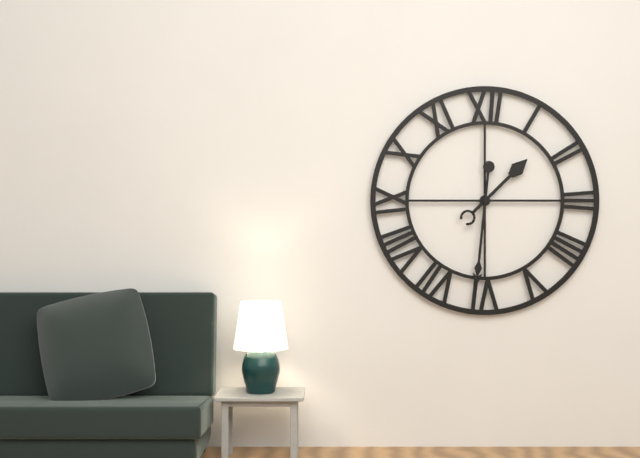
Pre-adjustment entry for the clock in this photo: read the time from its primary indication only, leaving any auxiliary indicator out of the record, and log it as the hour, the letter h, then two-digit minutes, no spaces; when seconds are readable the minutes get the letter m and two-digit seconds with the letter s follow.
1h31
